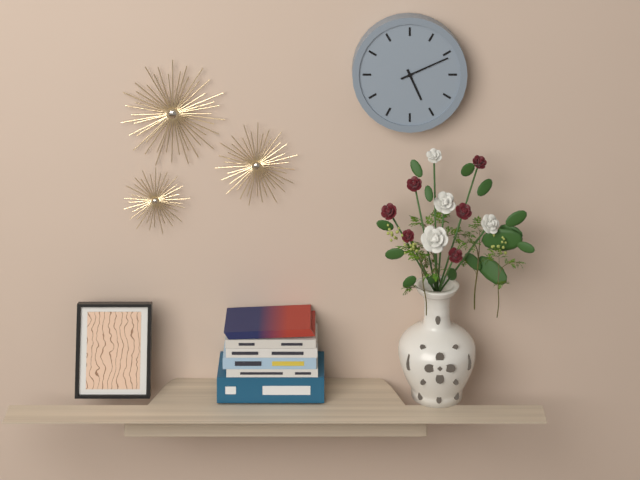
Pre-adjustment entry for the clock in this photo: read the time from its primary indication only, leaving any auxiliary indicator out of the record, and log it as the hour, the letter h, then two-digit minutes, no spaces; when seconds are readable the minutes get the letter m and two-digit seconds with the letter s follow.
5h11
